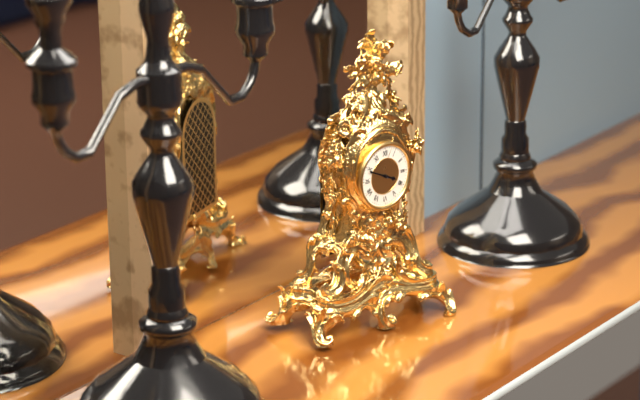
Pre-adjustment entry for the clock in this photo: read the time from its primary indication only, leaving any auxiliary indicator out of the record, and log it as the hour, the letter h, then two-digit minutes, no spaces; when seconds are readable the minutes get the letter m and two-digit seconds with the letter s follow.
3h49
